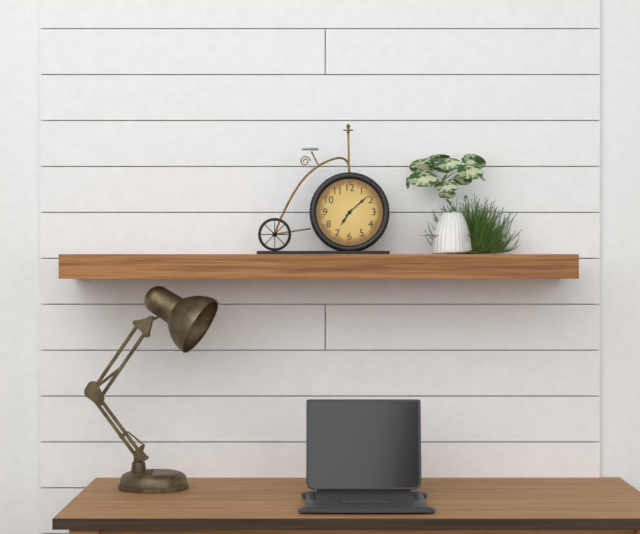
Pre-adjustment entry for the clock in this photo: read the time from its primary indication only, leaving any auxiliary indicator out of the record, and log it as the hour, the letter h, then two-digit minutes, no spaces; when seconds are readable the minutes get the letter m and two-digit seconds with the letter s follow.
7h08
